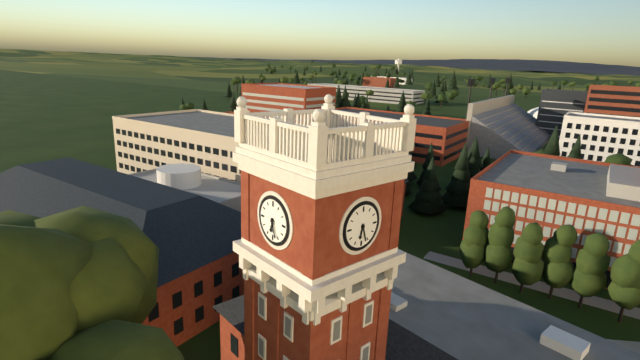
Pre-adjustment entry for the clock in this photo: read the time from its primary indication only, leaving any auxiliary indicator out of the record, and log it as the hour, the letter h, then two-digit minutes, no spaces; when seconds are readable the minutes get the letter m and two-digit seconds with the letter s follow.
6h27
